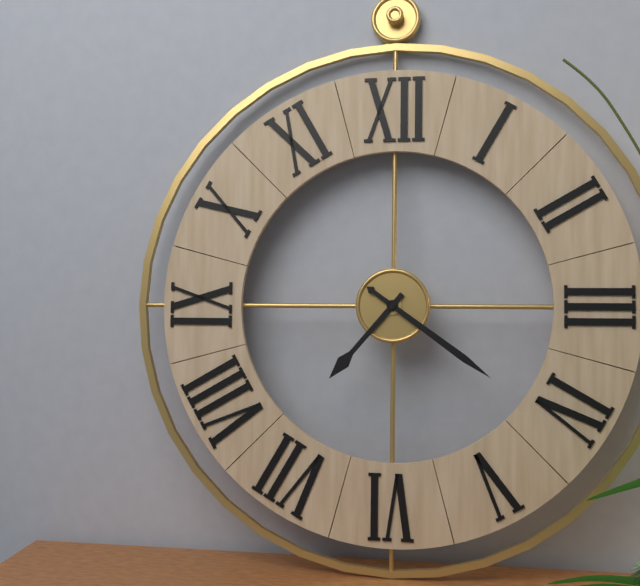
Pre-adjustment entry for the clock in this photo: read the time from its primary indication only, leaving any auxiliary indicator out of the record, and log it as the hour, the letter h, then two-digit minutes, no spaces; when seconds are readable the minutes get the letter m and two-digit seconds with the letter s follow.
7h21
